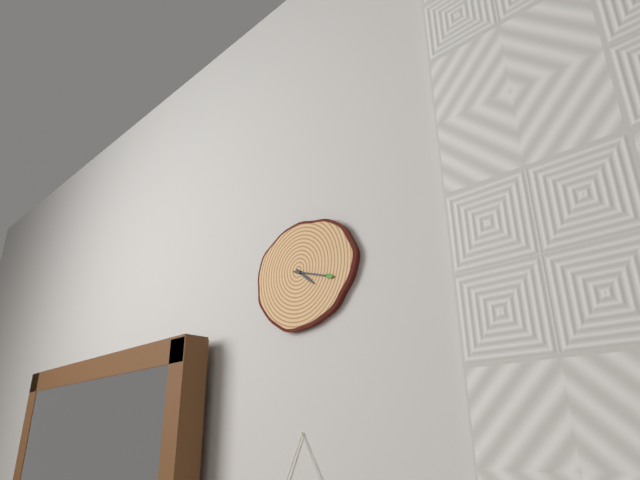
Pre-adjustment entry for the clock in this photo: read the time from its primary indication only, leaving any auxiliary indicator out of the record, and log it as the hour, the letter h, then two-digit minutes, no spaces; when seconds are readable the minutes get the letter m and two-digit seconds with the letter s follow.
4h18
